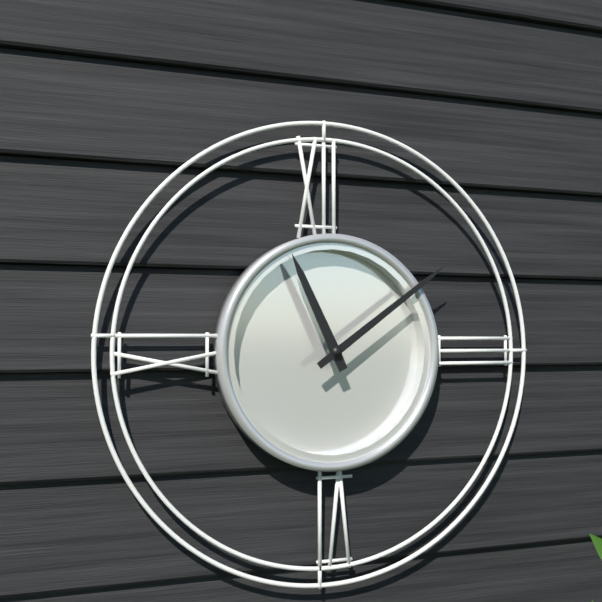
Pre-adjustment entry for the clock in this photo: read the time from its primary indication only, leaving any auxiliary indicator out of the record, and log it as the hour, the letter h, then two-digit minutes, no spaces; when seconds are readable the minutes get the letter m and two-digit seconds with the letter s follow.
11h09
